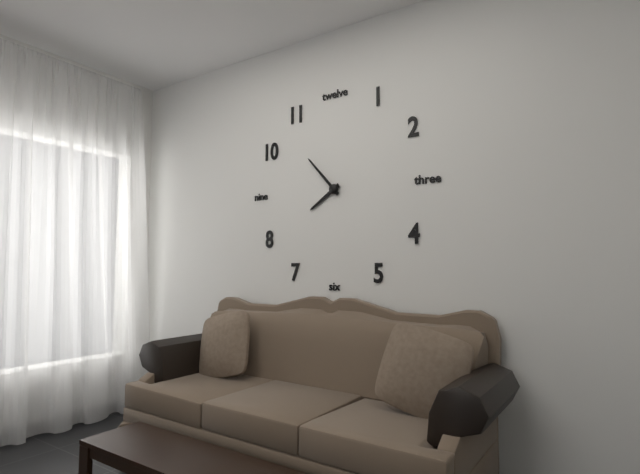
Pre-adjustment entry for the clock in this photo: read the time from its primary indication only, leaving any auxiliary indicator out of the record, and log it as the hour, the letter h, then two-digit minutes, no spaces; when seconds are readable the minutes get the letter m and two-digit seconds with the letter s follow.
7h53
